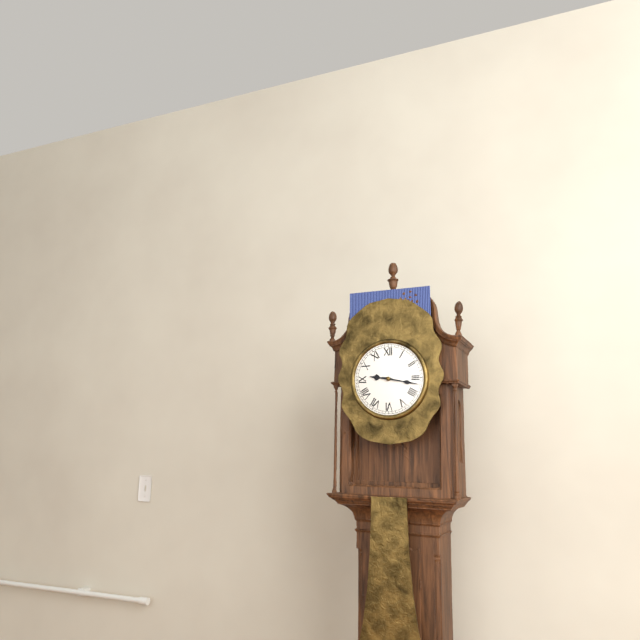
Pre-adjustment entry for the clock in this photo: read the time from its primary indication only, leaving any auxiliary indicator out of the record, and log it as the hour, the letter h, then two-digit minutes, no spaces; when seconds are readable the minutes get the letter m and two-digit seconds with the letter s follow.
9h17
